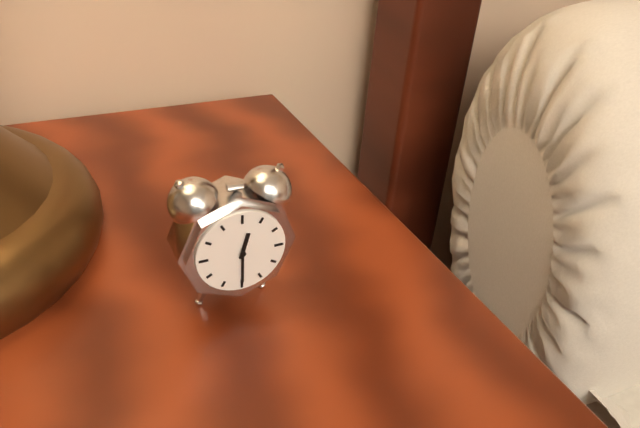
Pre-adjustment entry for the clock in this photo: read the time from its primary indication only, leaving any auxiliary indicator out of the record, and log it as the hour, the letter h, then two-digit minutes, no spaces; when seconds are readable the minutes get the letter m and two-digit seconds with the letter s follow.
12h30
